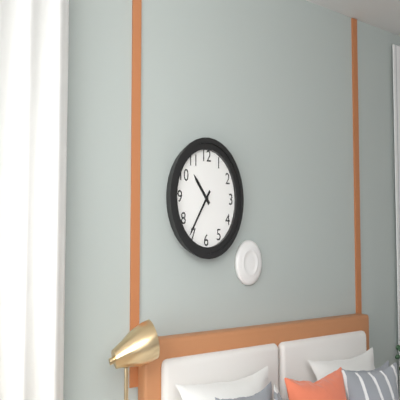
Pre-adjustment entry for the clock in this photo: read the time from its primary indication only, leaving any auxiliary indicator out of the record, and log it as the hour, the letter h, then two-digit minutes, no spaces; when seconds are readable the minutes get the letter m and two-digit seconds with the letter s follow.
10h36
